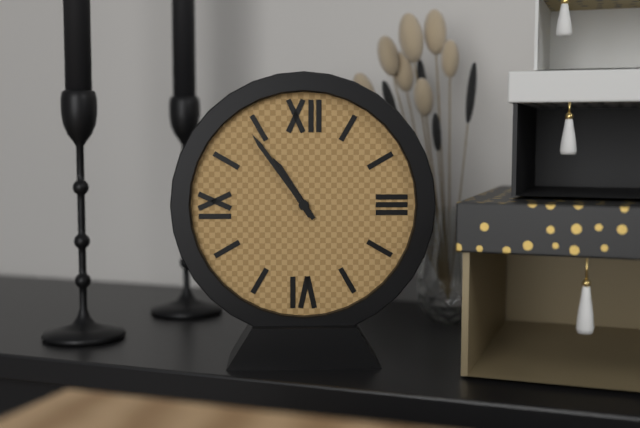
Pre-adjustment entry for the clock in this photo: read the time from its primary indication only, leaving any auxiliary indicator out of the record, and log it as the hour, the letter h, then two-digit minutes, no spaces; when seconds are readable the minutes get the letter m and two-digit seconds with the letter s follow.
10h54
